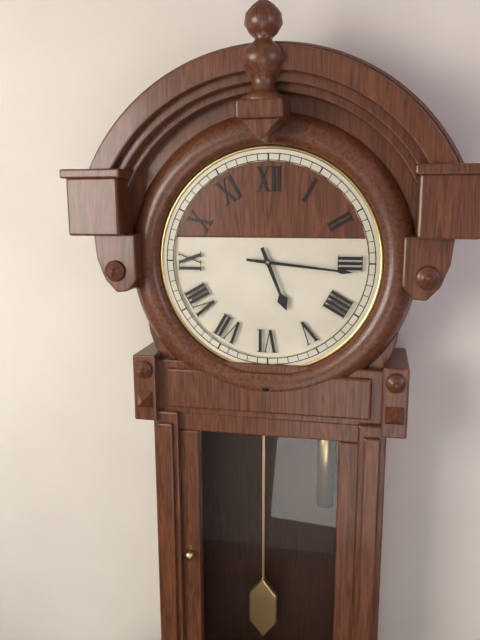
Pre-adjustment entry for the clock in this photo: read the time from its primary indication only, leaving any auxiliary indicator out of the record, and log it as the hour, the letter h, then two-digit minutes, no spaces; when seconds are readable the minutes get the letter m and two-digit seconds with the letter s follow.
5h16
